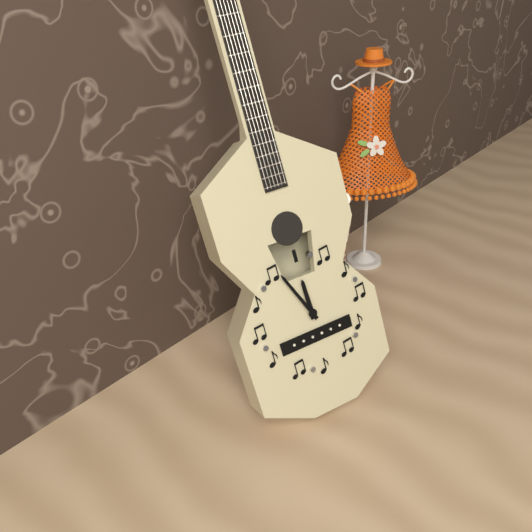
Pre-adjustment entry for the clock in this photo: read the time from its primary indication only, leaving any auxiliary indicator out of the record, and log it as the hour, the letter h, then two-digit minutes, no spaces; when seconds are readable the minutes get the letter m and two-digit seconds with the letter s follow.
11h56
